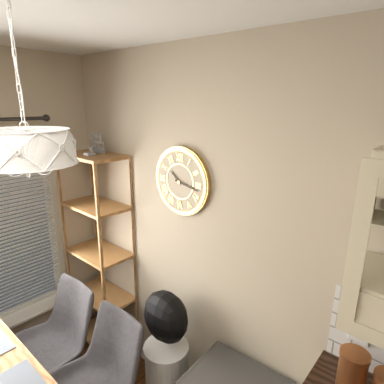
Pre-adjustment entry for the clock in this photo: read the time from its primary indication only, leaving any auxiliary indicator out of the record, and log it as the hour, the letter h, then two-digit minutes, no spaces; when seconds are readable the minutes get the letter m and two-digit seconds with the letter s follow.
10h17
